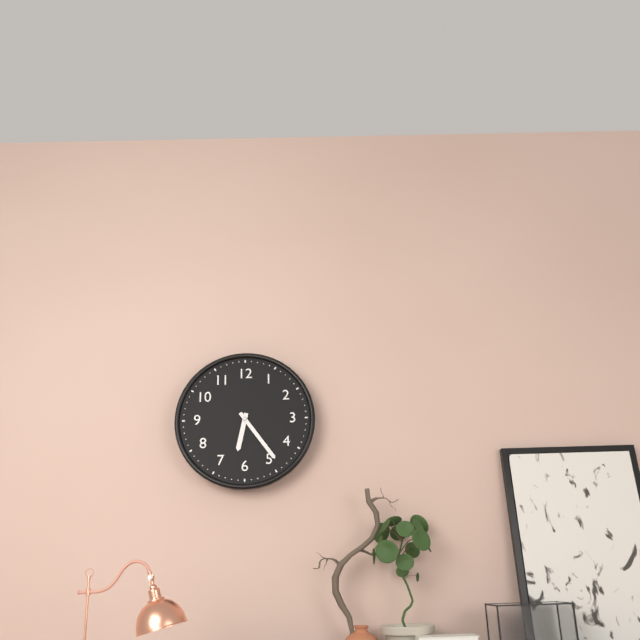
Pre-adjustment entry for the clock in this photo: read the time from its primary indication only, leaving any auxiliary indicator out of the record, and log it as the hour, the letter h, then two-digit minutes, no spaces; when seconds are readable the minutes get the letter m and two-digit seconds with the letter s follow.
6h24
